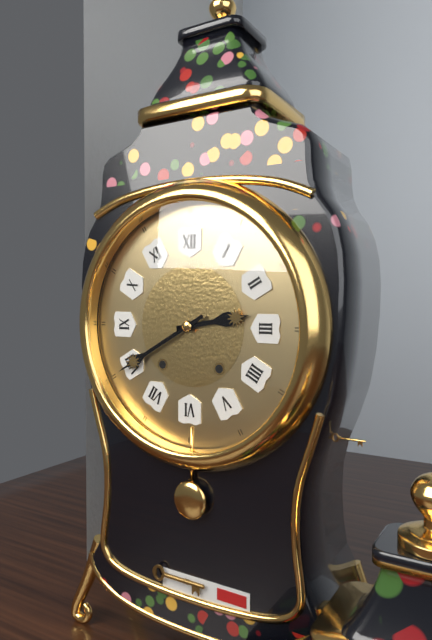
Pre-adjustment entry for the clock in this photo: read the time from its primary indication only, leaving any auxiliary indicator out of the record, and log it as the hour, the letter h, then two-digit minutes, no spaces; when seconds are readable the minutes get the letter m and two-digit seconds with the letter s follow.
2h40
